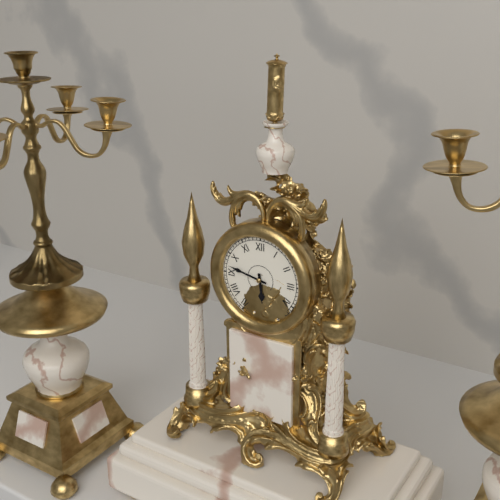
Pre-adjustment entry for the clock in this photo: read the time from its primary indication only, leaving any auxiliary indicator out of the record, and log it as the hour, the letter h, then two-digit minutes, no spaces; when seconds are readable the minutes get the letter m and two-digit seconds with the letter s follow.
5h47
